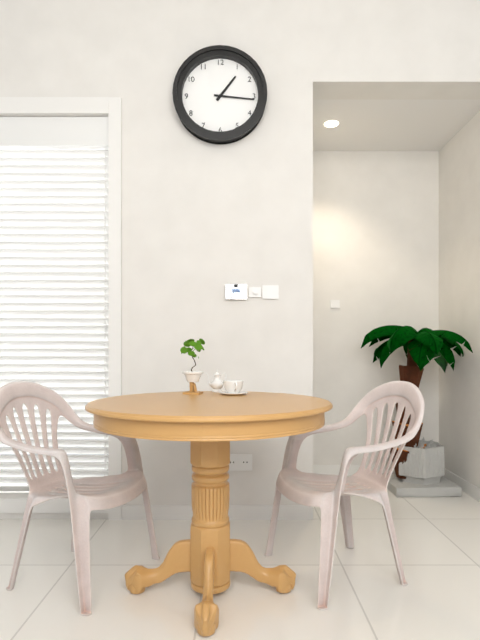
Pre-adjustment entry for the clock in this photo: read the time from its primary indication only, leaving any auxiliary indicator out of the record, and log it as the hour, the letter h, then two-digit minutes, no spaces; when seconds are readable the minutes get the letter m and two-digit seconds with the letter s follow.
1h16
